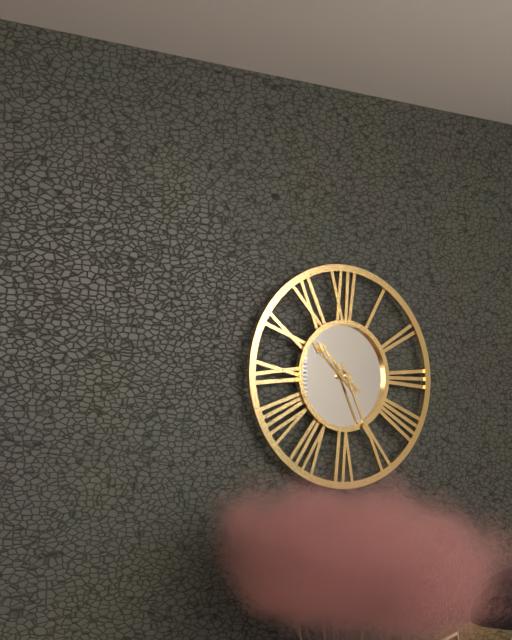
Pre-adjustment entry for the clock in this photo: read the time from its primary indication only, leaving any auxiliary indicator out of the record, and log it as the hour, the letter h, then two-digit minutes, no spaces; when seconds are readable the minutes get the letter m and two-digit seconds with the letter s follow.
10h26
